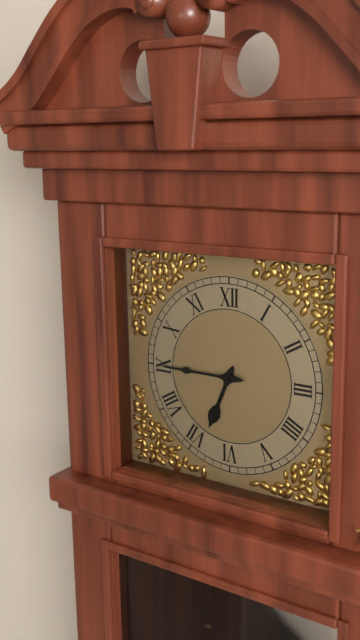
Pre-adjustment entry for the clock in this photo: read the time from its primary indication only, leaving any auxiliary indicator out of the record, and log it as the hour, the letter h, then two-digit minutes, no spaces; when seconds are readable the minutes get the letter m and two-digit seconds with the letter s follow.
6h45
